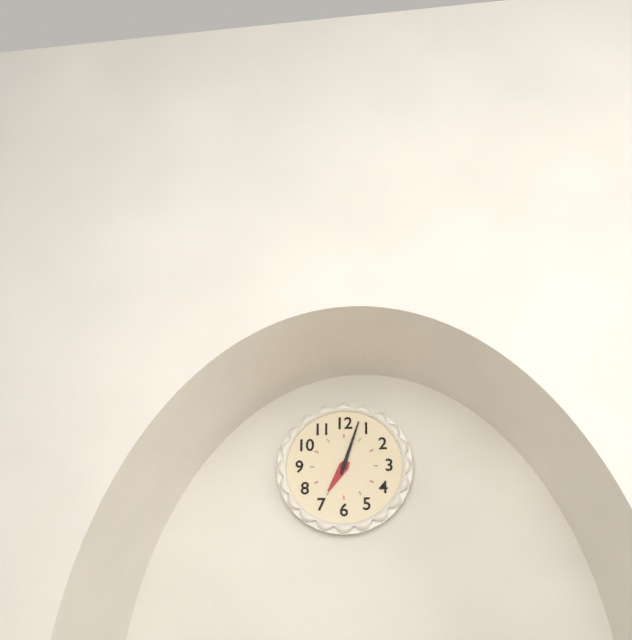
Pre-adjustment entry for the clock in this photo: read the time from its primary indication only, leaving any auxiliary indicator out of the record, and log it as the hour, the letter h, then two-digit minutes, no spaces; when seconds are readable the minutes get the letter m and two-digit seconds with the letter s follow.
7h03
